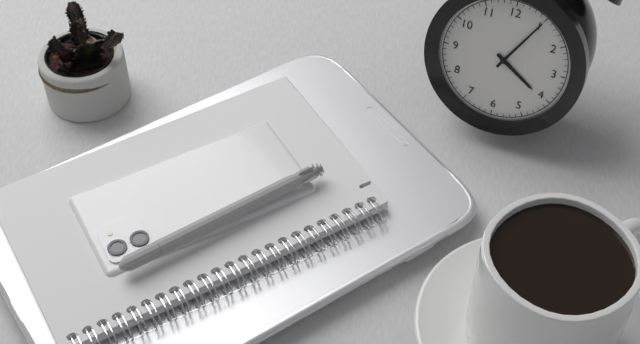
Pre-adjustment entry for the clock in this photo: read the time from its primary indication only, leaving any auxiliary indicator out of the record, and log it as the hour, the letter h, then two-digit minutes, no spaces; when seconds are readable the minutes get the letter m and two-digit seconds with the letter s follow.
4h05
